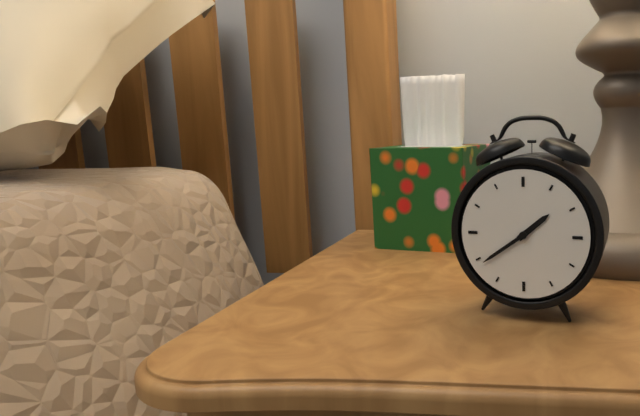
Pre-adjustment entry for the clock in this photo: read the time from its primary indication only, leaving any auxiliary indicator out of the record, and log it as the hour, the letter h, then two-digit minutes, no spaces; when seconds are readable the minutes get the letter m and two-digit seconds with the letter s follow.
1h39
